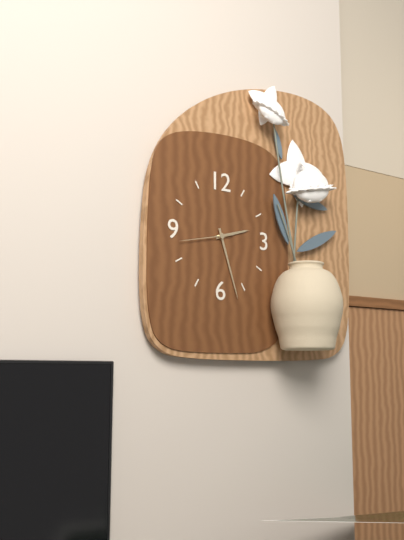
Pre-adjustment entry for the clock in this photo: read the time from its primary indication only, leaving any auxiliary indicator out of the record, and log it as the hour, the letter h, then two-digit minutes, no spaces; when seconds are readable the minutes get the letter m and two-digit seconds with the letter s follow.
2h27
